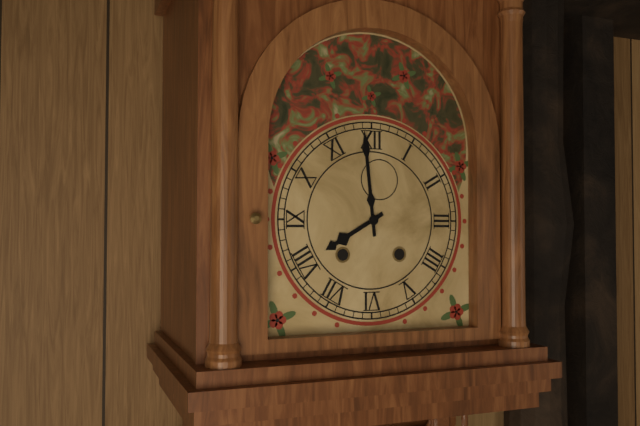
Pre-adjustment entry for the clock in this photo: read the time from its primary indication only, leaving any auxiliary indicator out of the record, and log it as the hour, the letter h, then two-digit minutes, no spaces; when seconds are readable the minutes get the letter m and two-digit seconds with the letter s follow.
7h59
